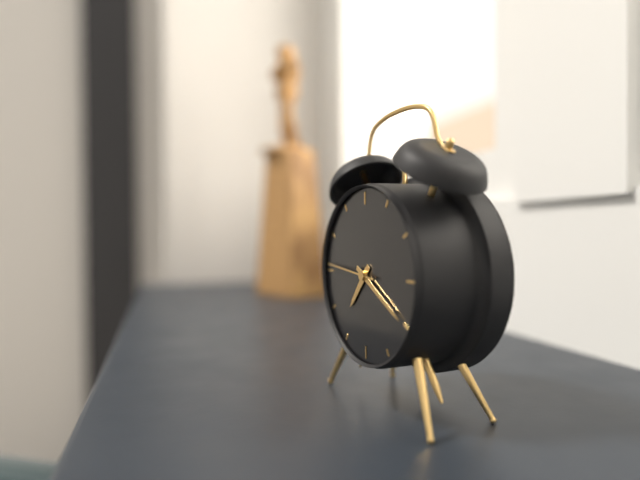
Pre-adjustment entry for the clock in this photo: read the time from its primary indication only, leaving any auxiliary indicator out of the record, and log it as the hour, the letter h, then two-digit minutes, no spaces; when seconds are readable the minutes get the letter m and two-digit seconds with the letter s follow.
7h20
